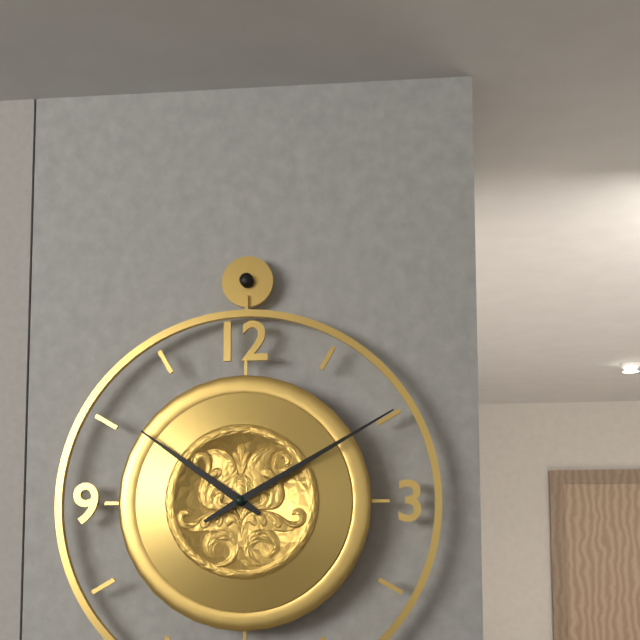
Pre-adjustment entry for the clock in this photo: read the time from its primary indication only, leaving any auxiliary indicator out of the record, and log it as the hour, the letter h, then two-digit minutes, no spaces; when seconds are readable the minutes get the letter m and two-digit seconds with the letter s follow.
10h10
